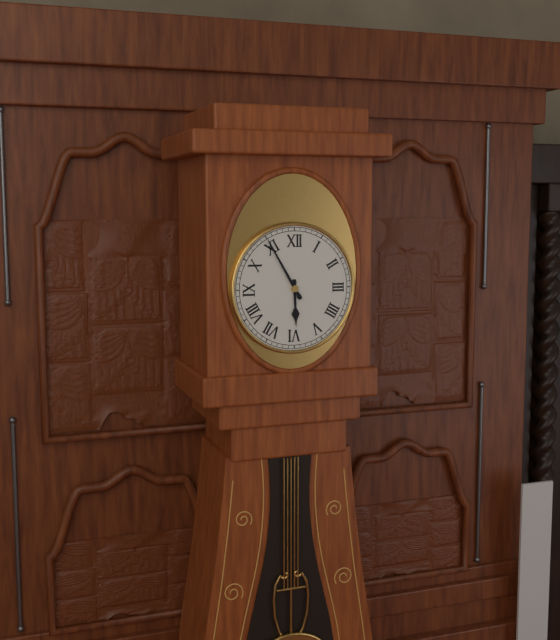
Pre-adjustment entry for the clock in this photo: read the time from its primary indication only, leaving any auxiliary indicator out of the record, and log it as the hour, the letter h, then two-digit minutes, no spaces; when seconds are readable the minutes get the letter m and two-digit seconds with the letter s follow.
5h55
